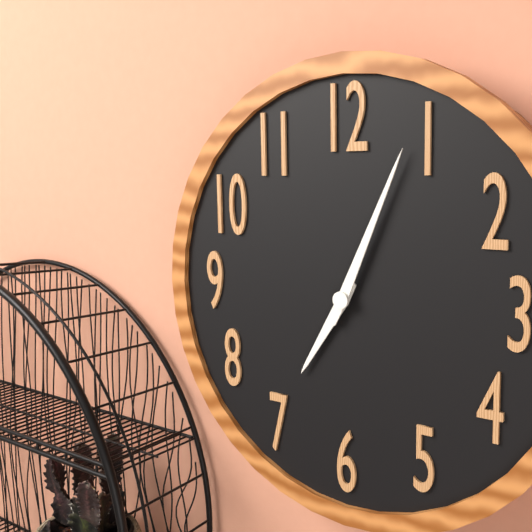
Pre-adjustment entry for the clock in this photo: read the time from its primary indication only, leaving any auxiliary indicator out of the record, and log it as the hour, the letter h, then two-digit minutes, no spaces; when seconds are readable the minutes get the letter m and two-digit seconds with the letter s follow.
7h04
